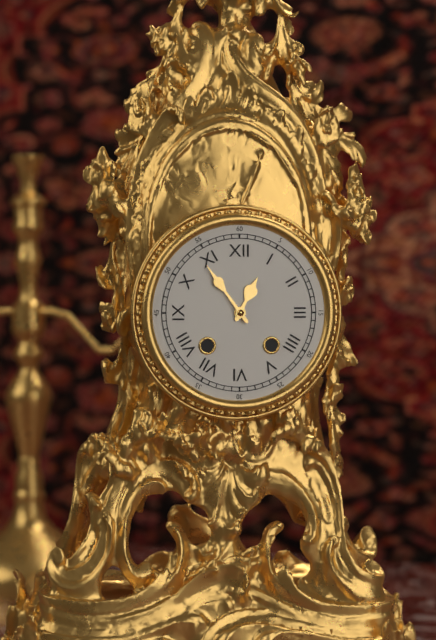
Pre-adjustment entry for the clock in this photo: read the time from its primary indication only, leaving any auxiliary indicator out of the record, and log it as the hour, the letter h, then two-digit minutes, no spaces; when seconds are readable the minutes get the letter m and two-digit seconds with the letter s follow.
12h54
